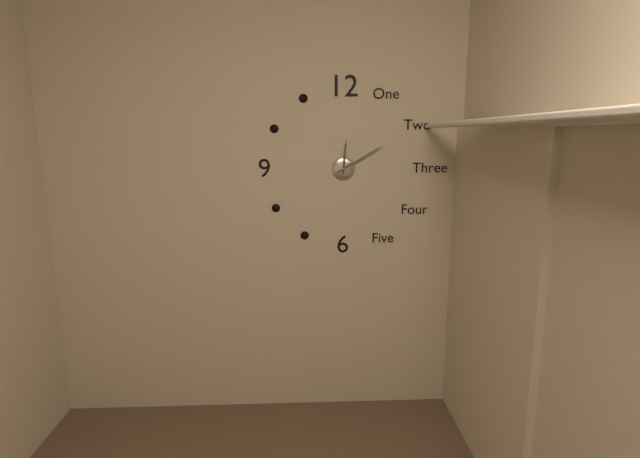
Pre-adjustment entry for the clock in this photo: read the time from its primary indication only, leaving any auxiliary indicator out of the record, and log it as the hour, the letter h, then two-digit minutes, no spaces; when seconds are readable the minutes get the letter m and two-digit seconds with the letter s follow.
12h10
